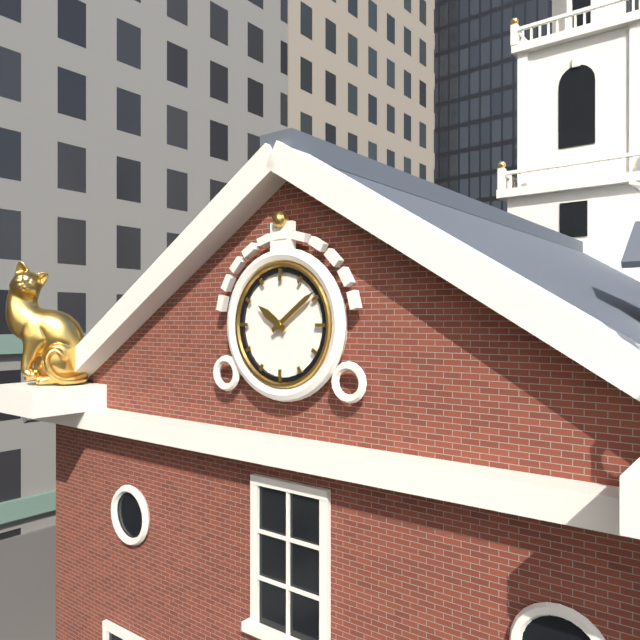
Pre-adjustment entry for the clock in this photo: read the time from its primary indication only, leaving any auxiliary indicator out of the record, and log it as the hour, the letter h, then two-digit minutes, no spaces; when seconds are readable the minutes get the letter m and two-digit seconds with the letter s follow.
10h09
